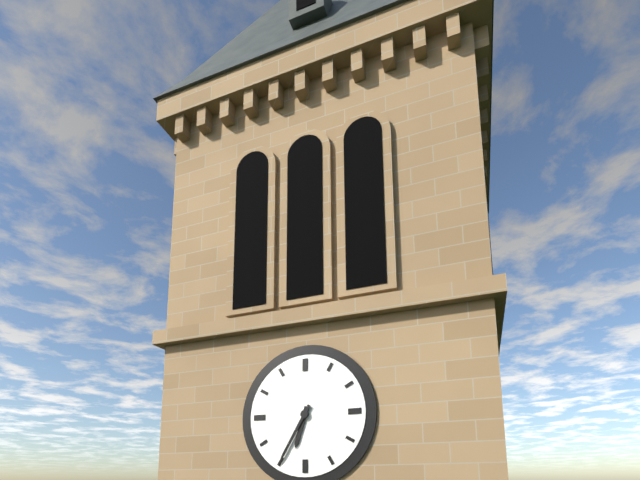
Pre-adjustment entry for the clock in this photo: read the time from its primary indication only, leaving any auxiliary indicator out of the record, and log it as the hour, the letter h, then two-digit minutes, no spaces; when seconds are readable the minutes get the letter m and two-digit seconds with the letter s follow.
6h35
